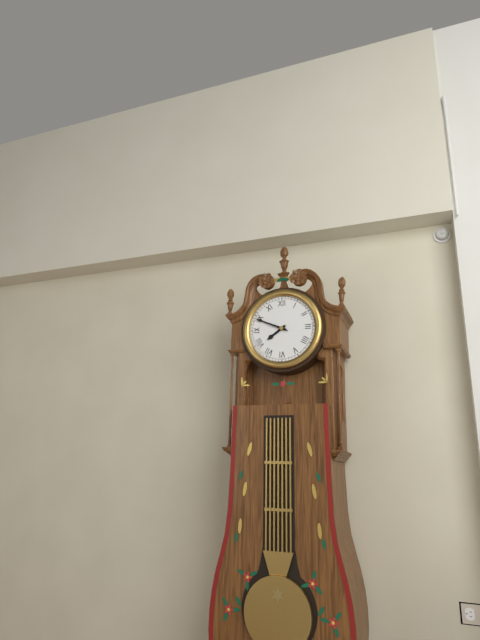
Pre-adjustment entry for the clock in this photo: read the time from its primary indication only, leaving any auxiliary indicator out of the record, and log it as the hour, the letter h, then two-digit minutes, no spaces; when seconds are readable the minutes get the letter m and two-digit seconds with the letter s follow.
7h49
